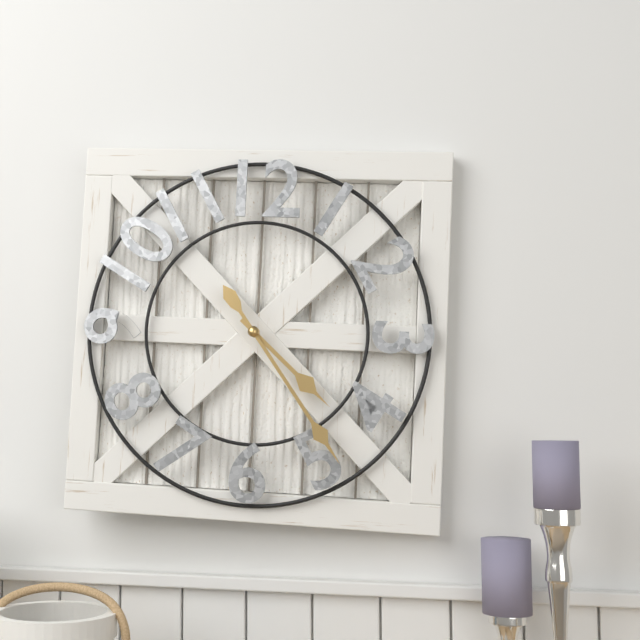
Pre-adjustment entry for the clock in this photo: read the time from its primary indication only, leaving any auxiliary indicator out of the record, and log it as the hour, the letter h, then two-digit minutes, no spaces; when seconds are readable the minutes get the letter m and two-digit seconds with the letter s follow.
4h24
